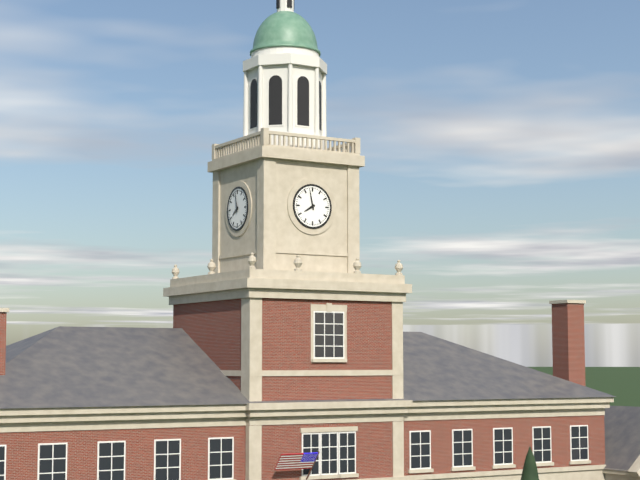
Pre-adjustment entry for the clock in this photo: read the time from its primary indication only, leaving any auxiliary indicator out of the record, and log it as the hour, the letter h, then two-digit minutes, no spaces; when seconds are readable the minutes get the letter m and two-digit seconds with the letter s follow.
7h58
